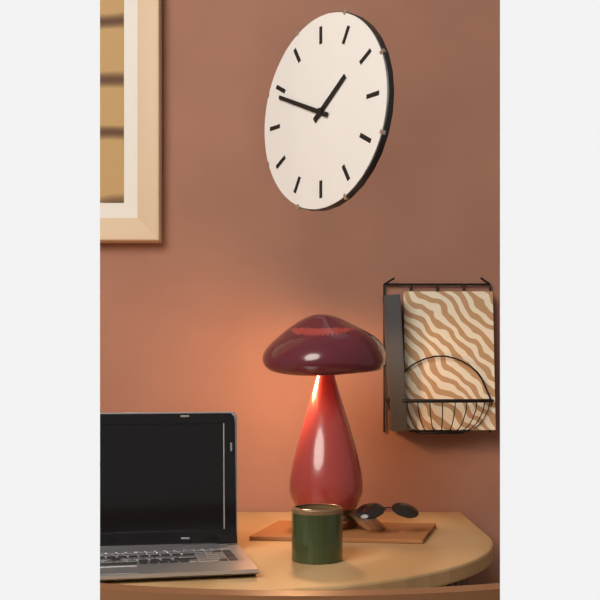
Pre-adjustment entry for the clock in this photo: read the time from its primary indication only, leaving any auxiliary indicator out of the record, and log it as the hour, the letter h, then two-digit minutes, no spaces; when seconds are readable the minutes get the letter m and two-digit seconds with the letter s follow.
1h49
